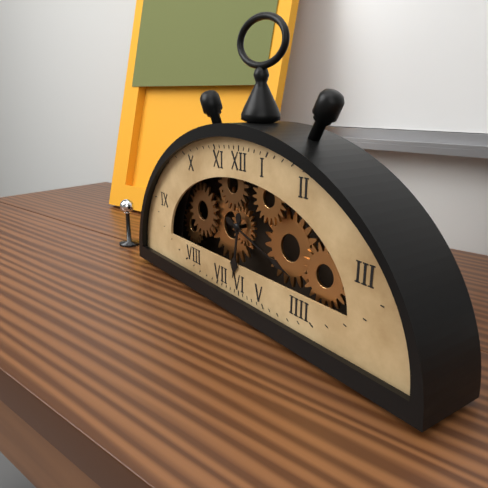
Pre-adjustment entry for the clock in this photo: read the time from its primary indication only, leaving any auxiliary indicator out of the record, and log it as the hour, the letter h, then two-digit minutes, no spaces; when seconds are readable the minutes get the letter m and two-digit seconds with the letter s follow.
6h18
